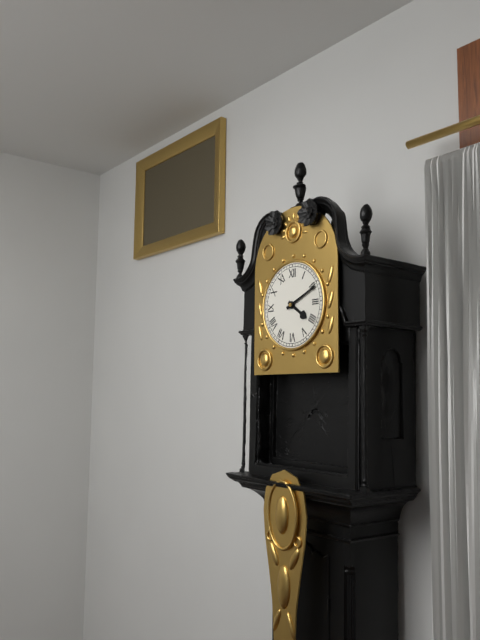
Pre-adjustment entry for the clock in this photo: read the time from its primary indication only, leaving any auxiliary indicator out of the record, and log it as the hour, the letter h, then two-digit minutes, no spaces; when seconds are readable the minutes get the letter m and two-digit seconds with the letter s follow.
4h11
